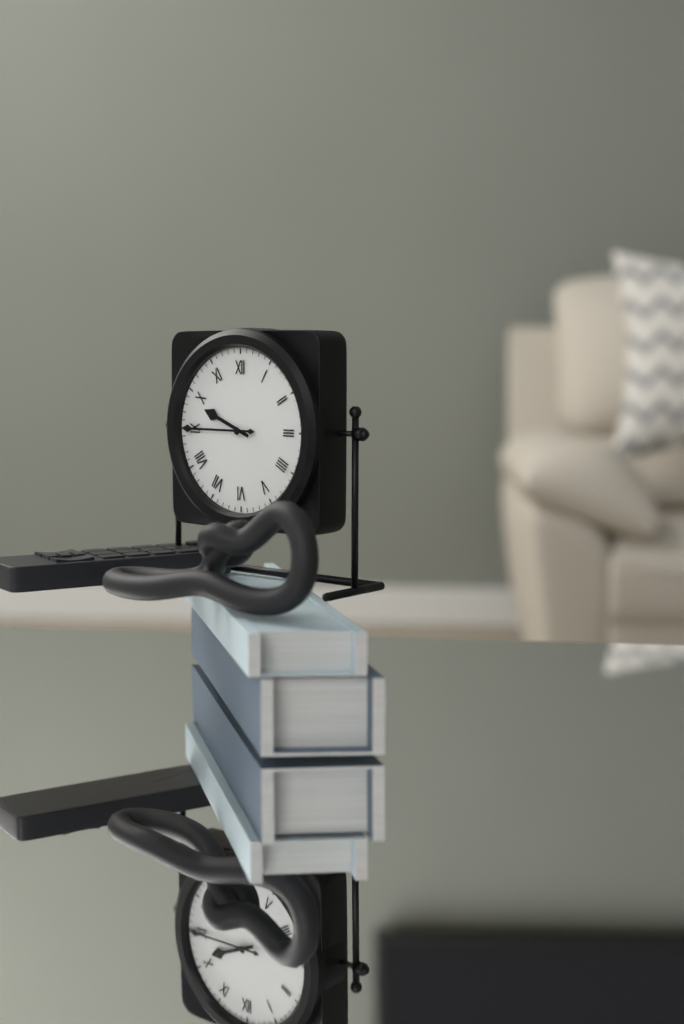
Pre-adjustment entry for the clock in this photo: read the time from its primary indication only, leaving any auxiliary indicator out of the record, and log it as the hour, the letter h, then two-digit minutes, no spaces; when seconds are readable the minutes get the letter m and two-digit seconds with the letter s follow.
9h45
